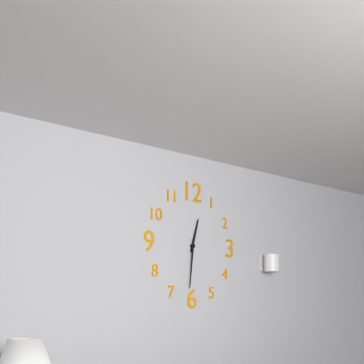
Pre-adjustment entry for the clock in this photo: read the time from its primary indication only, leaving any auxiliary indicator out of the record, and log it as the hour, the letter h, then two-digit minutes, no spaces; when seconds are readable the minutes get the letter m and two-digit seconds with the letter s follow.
12h31
